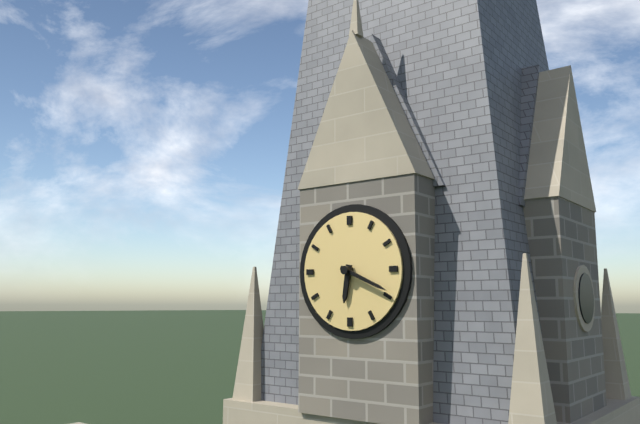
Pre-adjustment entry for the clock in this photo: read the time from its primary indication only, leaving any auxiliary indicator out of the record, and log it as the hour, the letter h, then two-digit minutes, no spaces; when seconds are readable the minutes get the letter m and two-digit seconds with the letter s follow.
6h19
